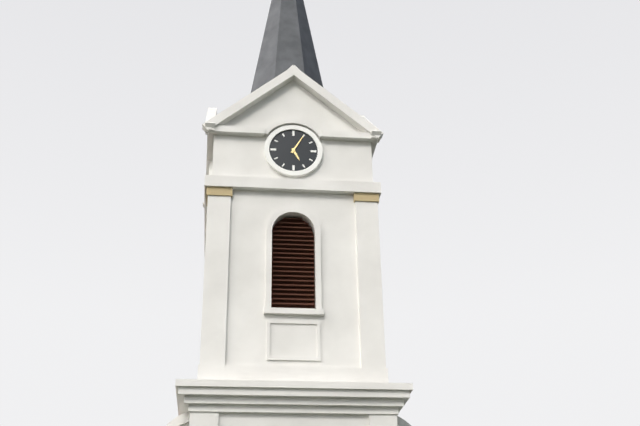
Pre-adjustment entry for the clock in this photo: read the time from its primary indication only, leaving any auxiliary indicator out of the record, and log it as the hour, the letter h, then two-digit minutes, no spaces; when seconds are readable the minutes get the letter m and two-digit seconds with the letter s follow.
5h05
